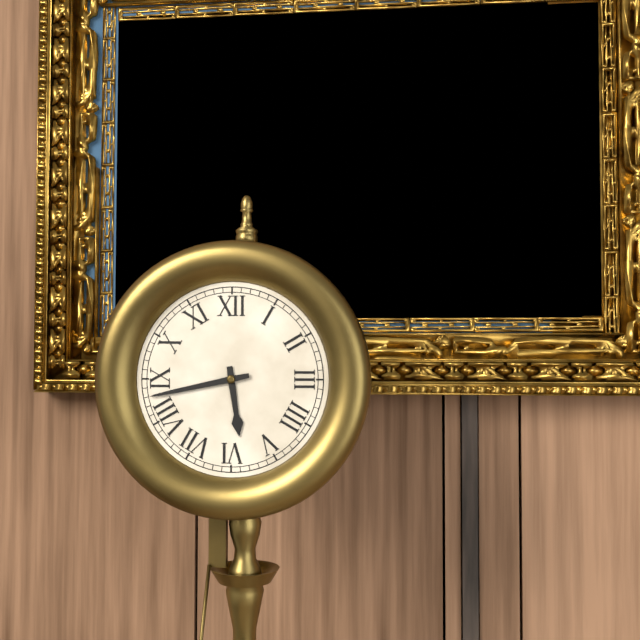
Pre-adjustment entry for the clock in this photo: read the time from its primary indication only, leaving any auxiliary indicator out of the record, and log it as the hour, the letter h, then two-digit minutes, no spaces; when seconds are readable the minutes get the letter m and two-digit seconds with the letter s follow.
5h43
